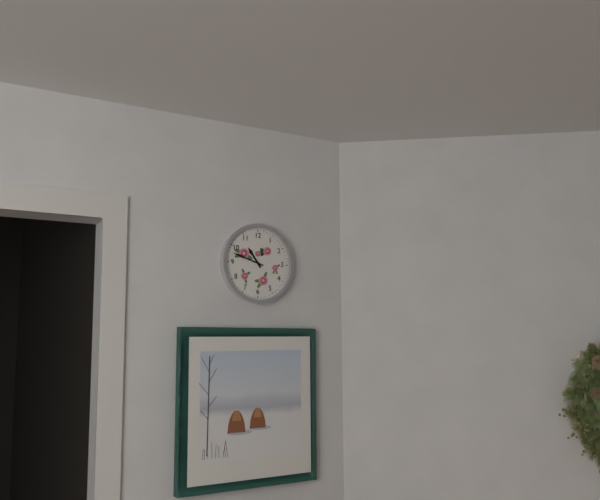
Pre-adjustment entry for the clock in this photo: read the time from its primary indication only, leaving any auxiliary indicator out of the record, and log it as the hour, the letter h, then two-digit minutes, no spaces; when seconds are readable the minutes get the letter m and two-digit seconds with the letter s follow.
10h48
